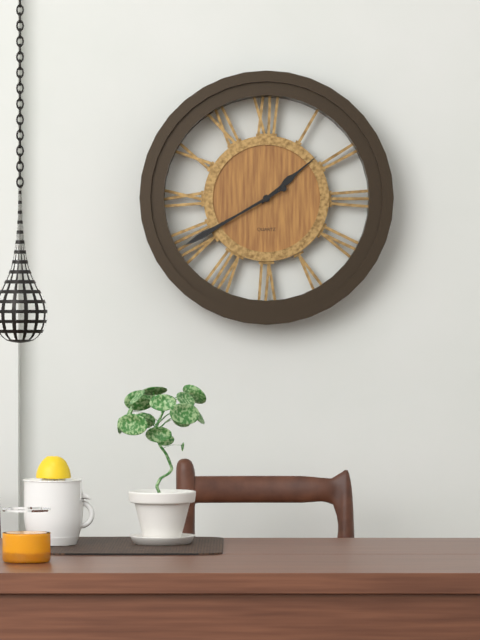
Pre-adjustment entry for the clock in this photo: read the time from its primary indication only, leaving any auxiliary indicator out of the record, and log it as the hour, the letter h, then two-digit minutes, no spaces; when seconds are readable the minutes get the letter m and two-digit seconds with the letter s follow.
1h40
